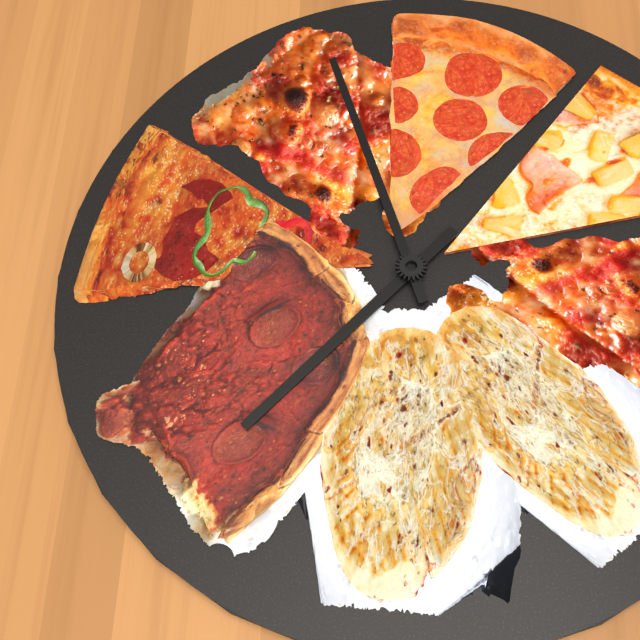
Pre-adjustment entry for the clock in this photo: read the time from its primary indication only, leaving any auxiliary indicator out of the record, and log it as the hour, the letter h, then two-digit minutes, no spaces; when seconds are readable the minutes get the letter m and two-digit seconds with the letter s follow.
1h27
